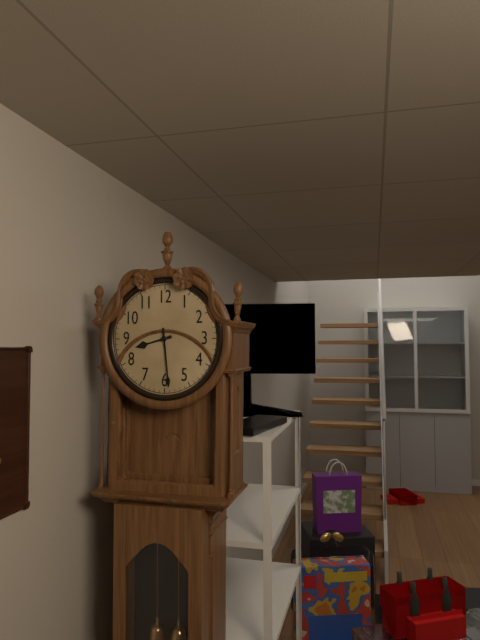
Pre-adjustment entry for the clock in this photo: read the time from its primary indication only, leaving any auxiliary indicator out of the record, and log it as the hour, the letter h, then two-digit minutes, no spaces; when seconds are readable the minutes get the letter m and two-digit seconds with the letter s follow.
8h29
